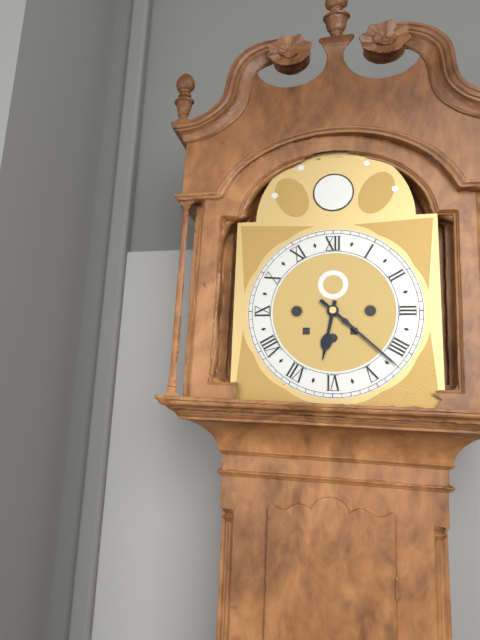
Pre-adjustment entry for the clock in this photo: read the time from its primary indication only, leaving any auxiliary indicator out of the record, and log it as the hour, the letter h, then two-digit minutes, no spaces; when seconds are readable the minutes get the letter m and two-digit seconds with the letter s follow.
6h22
